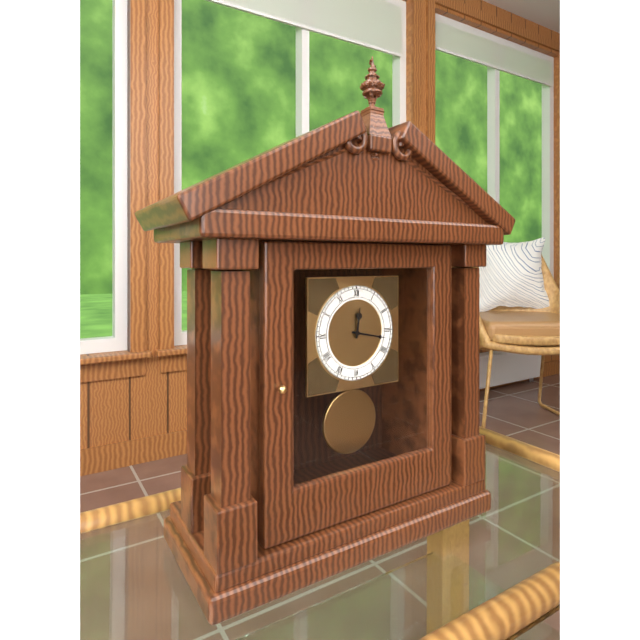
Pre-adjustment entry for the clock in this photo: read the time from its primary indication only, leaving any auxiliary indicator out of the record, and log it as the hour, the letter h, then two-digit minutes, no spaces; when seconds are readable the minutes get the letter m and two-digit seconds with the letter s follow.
12h17
